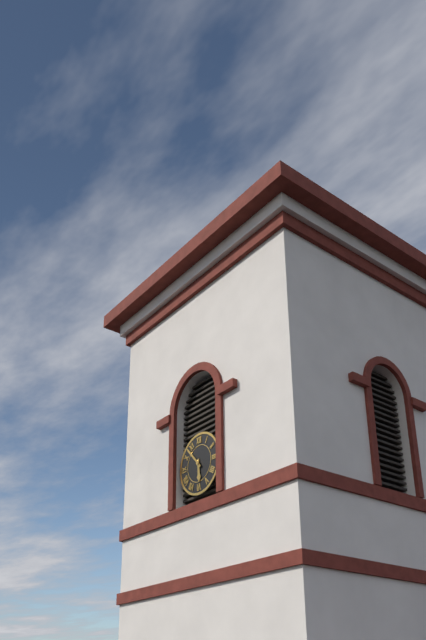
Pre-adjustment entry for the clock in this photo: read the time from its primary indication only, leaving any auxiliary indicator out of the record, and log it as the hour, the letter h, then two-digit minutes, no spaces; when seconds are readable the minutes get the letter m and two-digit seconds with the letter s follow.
5h53
